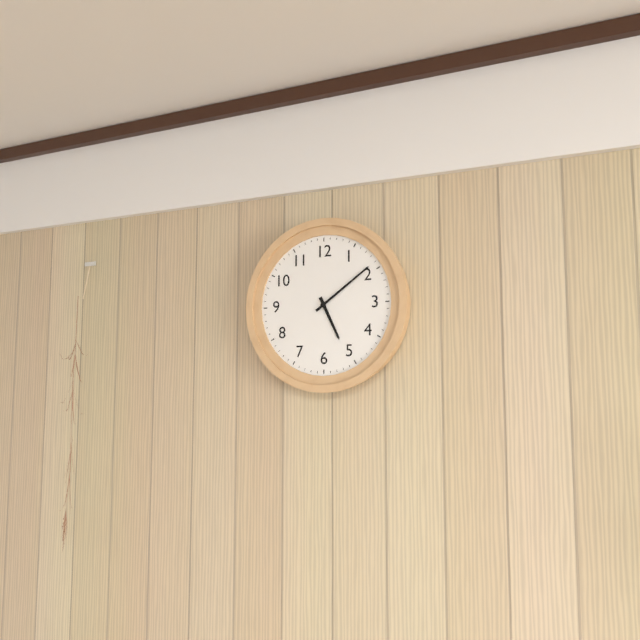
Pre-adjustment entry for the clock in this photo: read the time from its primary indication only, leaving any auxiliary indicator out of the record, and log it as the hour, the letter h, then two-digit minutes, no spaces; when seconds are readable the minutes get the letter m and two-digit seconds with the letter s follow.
5h09
